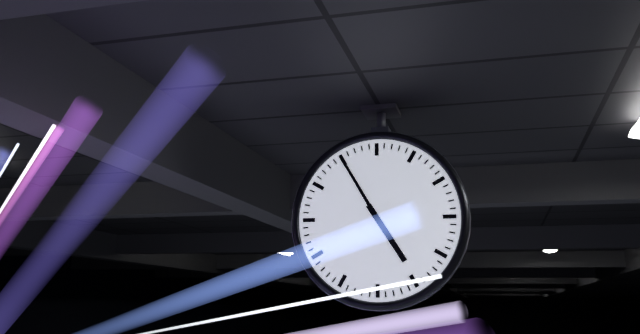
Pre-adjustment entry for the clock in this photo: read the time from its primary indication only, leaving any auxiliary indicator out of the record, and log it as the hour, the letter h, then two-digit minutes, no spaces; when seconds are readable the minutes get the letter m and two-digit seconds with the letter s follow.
4h55
